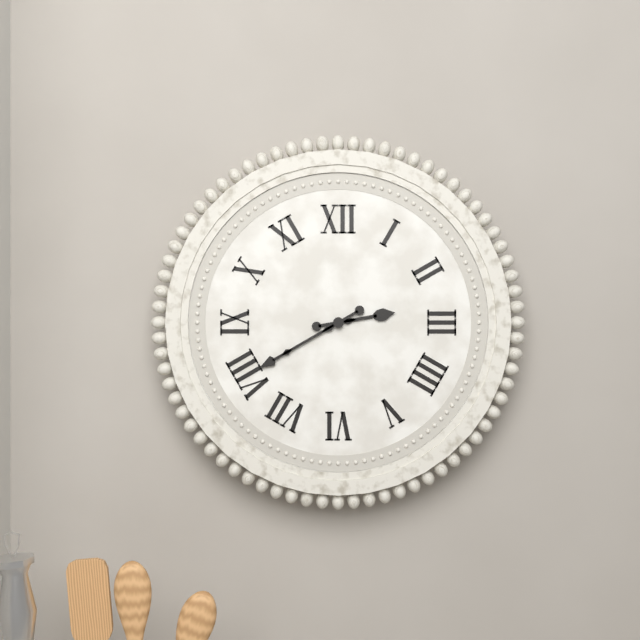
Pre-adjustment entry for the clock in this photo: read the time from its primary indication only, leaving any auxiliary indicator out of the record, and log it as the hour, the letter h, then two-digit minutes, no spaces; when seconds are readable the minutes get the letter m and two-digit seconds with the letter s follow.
2h40
